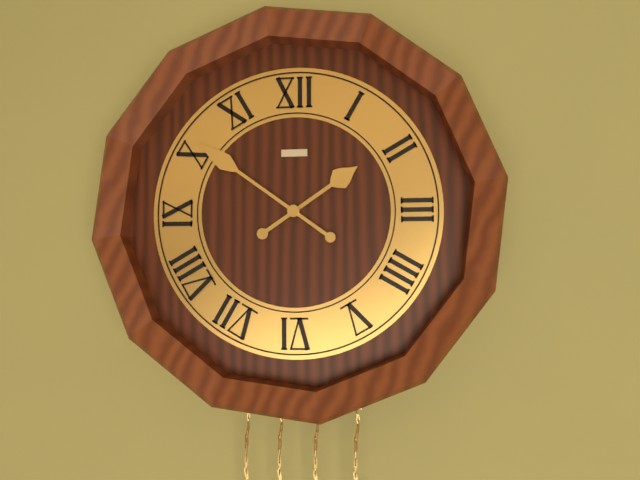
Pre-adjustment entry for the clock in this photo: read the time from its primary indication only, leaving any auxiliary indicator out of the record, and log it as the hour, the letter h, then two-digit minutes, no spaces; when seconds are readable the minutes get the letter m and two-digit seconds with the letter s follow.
1h51
